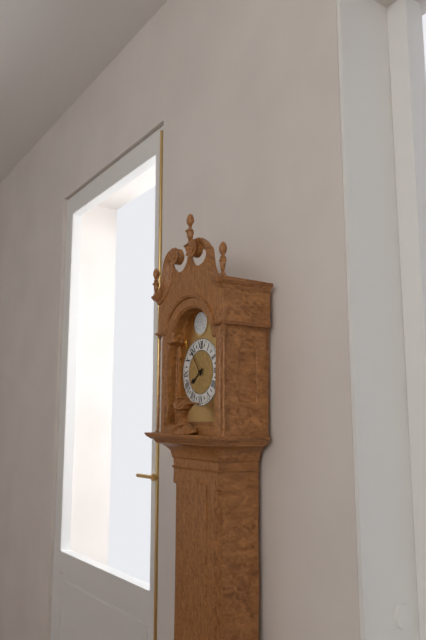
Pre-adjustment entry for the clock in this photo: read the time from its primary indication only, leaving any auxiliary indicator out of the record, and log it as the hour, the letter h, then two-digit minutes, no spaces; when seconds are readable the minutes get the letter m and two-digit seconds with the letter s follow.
7h54
